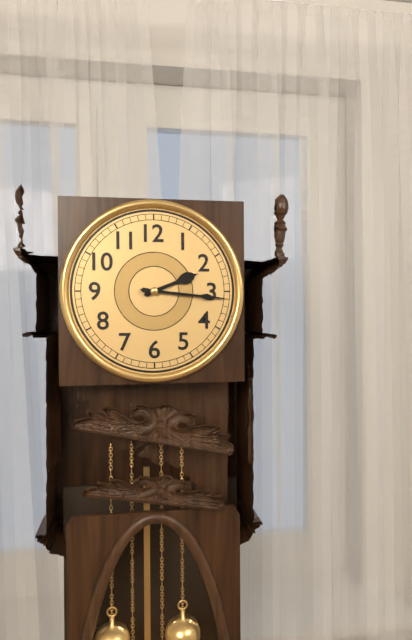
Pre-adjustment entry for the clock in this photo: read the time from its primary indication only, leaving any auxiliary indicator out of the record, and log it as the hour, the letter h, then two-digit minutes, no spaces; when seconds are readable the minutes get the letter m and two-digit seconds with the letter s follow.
2h16
